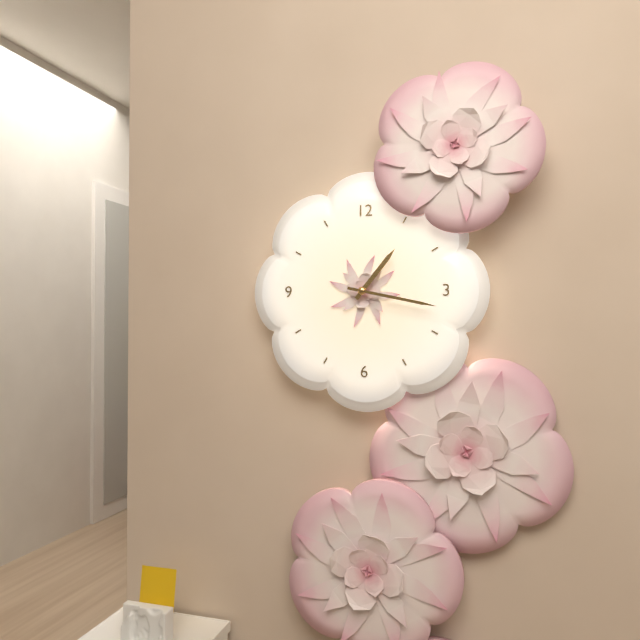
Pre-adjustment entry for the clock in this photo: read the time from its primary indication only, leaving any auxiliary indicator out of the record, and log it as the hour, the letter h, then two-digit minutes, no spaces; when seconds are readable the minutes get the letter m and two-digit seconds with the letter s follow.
1h17
